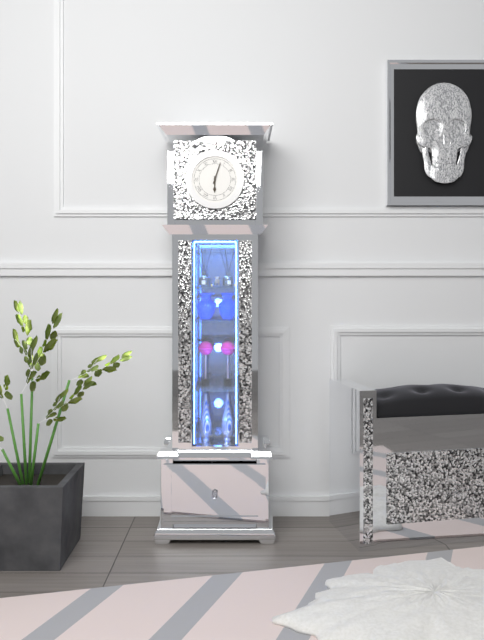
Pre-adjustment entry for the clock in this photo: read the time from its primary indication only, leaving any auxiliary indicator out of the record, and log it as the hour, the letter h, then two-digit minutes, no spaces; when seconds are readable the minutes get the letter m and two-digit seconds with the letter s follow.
6h03
